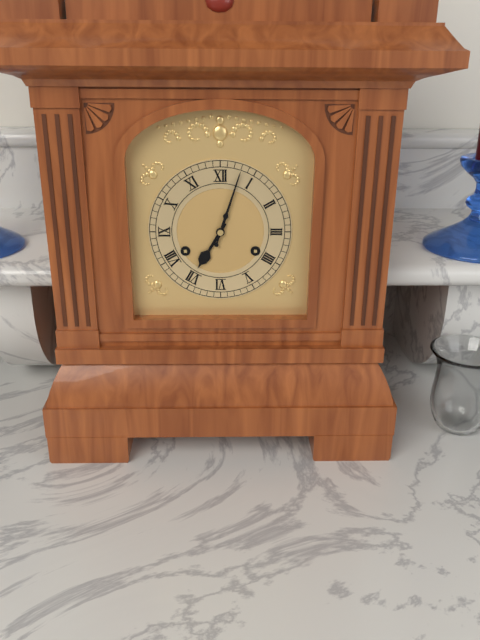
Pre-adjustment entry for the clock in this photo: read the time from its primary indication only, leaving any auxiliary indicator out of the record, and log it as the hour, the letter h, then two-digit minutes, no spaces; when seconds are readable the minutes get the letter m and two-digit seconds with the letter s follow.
7h03
